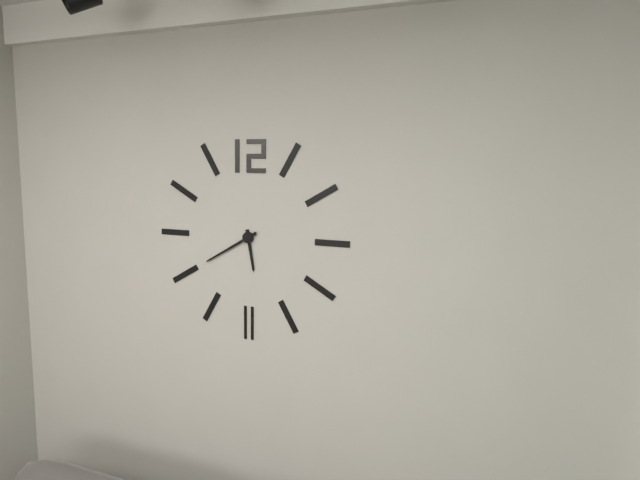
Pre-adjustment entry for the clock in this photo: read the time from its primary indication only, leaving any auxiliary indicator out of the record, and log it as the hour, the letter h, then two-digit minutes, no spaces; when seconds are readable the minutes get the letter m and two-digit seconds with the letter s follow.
5h40
